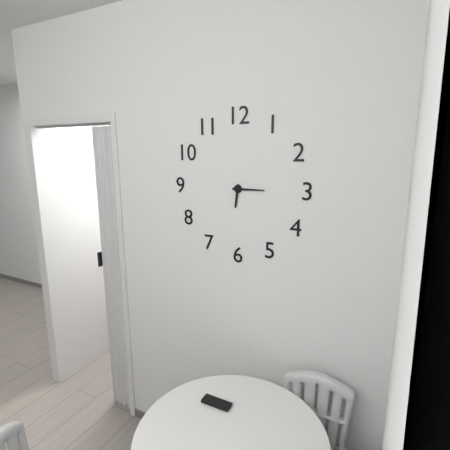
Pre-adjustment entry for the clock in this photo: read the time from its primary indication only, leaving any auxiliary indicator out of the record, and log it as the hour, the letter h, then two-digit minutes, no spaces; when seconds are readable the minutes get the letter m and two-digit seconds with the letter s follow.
6h15
